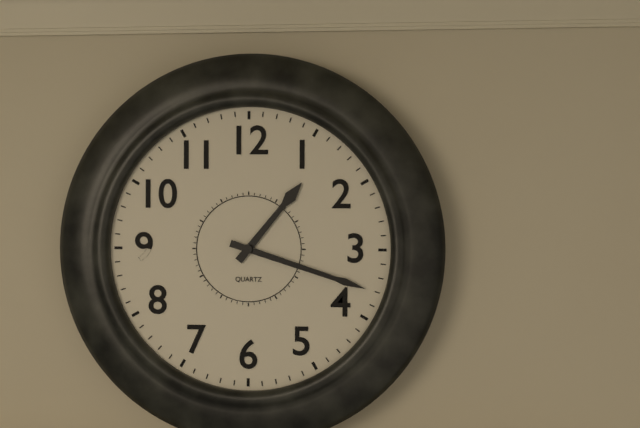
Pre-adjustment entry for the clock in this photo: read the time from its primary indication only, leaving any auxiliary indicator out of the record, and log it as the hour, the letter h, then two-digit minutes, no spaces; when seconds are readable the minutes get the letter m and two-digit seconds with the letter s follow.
1h18
